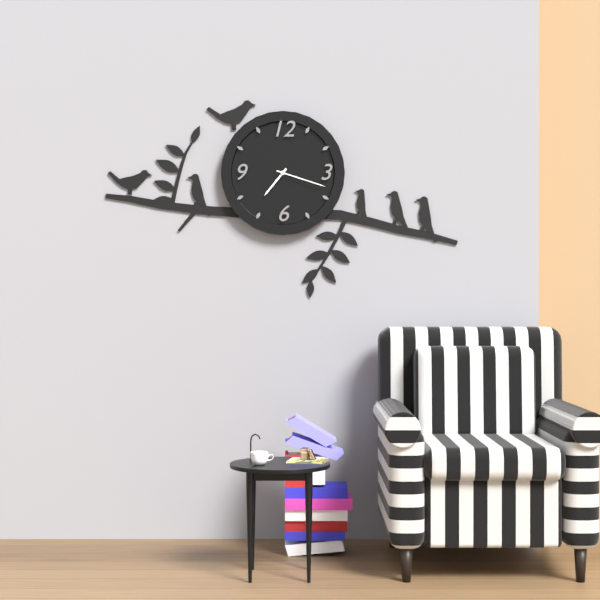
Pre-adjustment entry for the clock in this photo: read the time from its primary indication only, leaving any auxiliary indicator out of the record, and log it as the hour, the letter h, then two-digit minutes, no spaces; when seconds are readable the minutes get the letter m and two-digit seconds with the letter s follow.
7h18
